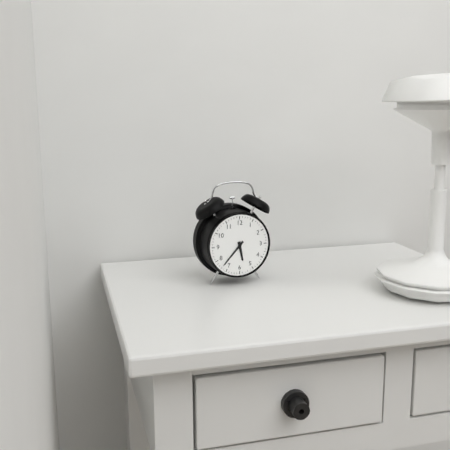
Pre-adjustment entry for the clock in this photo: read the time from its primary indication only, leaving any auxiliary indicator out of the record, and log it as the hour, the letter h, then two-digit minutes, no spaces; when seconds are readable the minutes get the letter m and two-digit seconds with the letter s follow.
5h37
